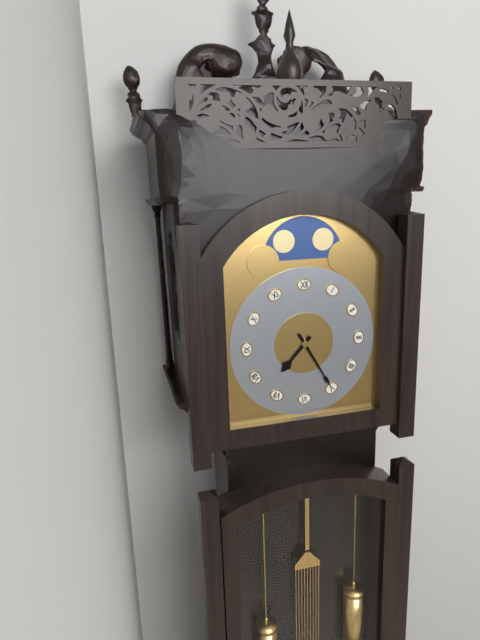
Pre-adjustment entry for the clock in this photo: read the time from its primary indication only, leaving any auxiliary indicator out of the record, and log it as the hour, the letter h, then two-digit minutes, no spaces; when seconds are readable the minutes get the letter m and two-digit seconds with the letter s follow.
7h25
